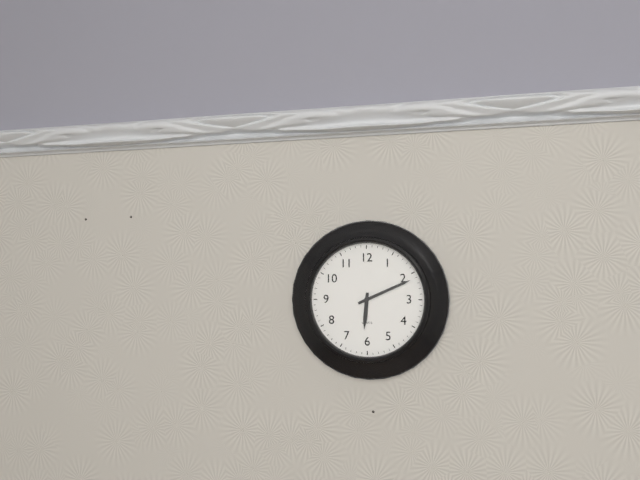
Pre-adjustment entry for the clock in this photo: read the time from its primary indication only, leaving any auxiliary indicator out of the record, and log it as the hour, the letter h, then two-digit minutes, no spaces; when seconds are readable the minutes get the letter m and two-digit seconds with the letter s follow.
6h11
